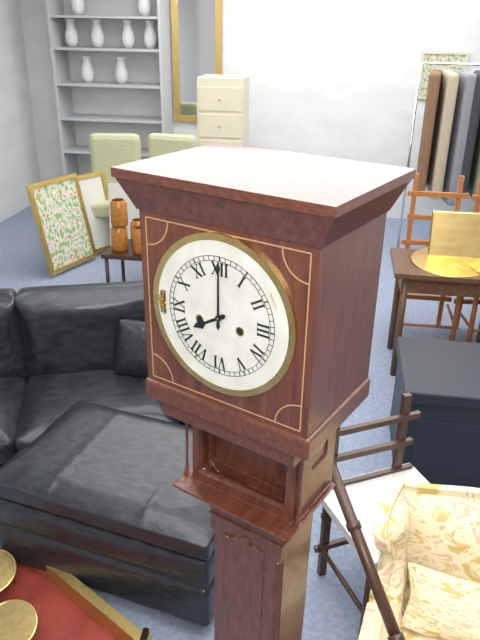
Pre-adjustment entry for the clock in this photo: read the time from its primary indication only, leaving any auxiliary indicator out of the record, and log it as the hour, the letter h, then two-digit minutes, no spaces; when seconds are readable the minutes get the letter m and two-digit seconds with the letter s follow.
8h00
